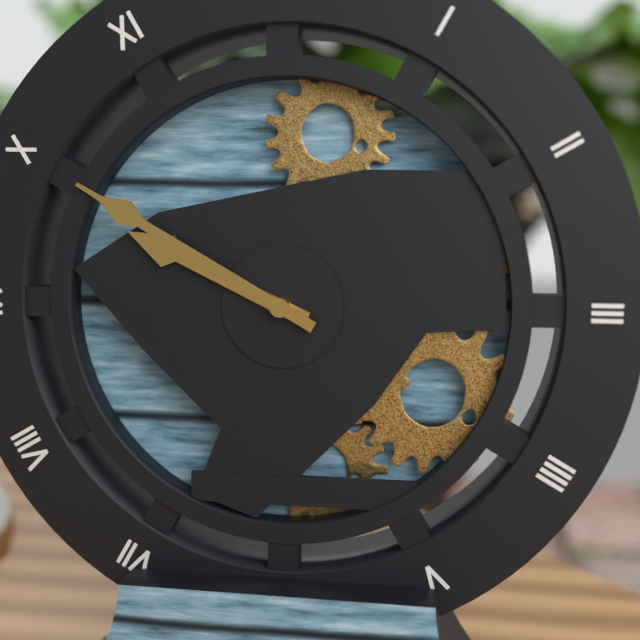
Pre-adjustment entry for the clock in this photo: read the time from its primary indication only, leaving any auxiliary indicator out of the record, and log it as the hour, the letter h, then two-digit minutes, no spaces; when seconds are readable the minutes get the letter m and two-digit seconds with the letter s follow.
9h50
